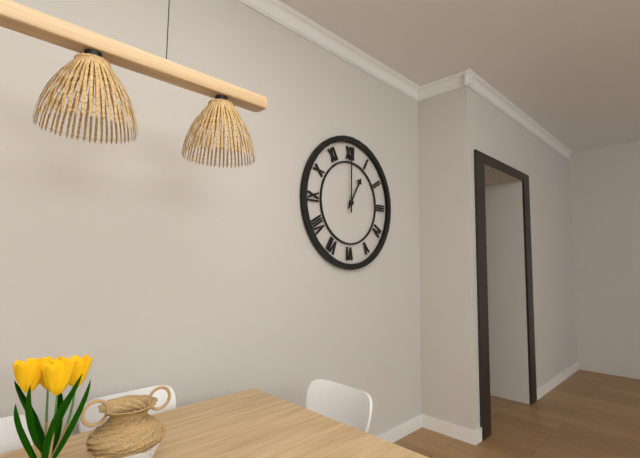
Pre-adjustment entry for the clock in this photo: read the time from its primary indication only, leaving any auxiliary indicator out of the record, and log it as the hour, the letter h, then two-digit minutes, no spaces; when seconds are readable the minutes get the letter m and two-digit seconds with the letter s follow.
1h00
